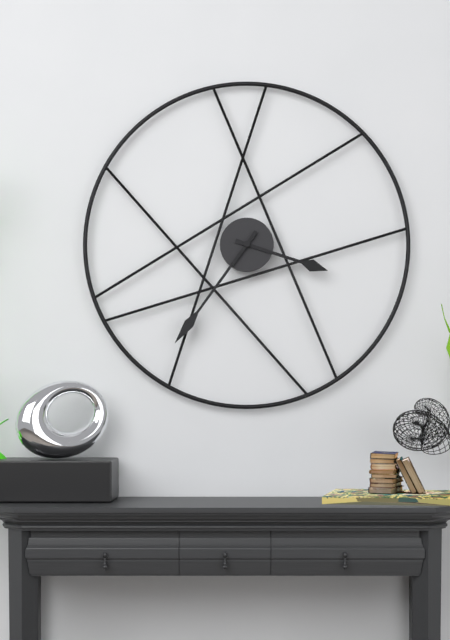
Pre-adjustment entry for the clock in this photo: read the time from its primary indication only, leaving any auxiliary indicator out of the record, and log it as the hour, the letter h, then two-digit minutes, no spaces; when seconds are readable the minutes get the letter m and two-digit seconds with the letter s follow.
3h36
